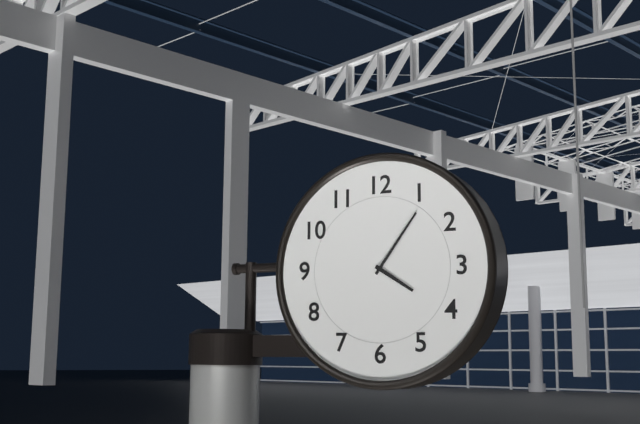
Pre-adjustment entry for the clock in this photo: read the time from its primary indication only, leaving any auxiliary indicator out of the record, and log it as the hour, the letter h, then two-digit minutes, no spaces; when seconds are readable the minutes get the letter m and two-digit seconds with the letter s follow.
4h06
